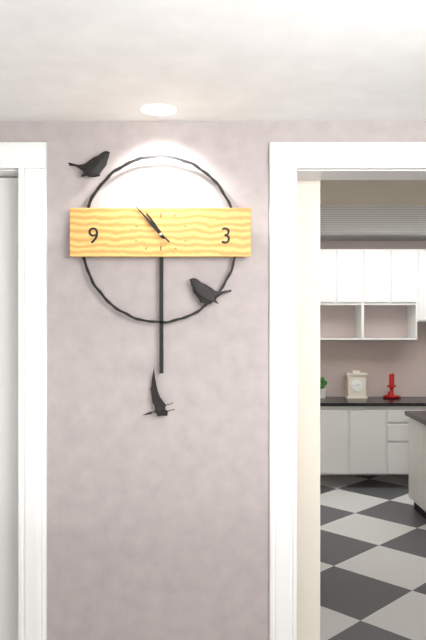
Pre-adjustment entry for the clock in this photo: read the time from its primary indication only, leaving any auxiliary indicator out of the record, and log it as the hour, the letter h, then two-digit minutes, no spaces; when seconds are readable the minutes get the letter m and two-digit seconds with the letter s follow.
10h53
